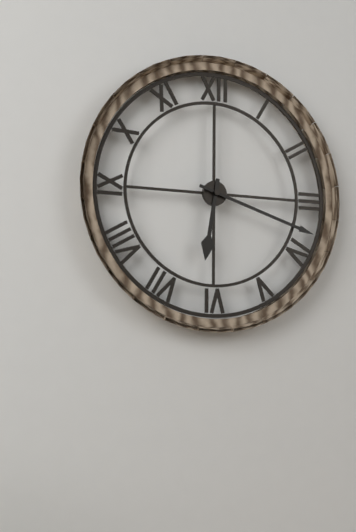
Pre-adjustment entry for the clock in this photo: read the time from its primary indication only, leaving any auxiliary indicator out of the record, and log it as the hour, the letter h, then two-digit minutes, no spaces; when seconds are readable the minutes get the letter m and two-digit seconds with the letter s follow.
6h18
